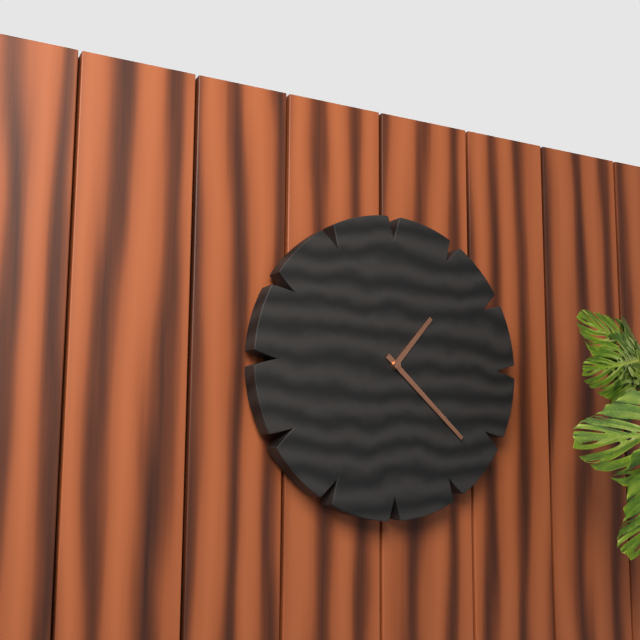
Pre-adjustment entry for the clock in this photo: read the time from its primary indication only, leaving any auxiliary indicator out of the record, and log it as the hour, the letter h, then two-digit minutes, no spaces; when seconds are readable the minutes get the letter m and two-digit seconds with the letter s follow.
1h22
